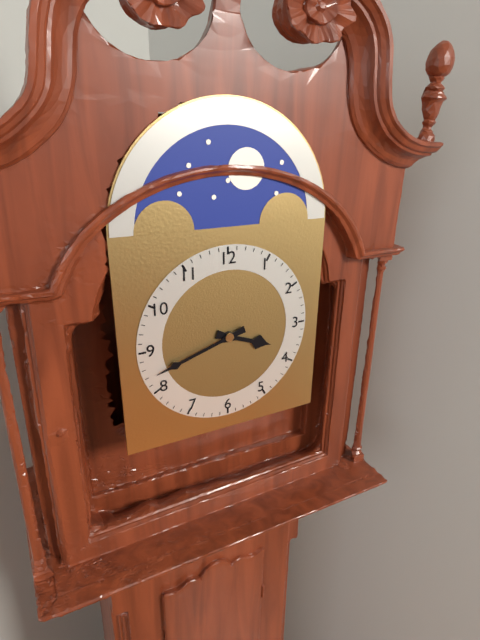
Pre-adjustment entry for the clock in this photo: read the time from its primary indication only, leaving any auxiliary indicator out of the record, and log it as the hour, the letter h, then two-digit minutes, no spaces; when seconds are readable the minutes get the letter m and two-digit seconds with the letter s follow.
3h42
